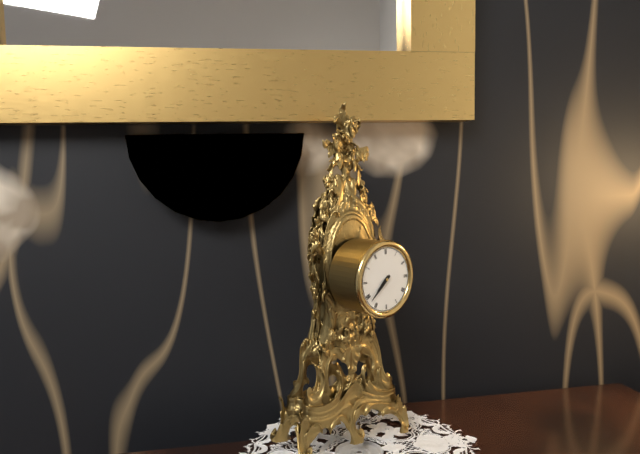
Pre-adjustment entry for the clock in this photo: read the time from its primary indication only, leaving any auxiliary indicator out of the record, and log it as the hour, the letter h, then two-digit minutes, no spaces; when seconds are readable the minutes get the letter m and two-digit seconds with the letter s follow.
7h38
